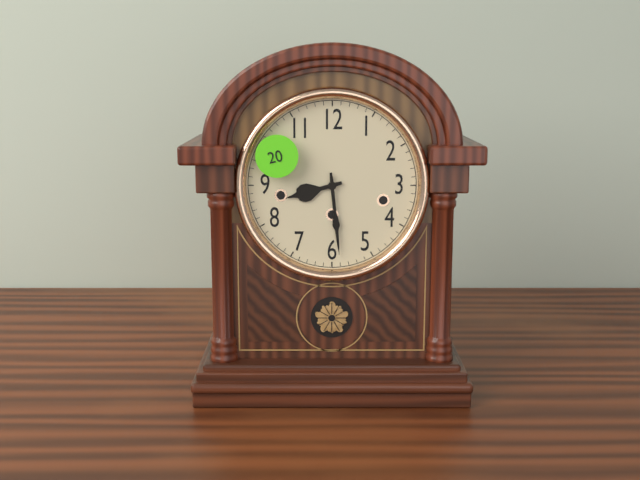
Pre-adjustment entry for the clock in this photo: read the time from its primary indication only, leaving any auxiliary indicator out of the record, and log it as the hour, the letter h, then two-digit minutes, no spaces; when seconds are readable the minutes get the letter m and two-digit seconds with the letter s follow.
8h29
